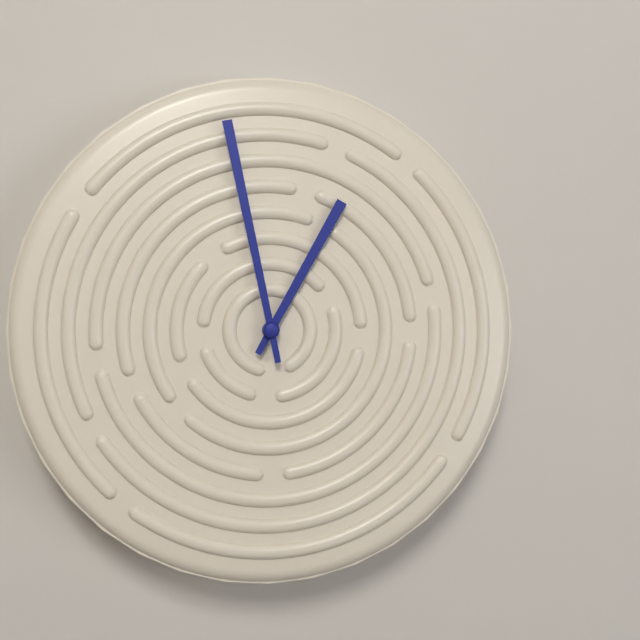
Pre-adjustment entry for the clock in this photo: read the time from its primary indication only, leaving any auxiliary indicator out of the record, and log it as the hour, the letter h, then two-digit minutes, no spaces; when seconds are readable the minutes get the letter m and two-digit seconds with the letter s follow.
12h58
